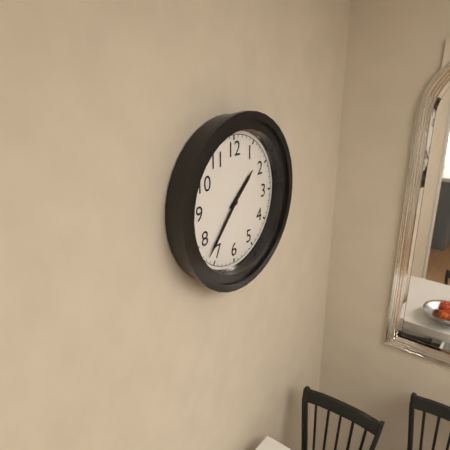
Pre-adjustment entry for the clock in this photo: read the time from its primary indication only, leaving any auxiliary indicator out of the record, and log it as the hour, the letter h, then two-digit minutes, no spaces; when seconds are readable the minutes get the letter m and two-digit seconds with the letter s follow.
1h37
